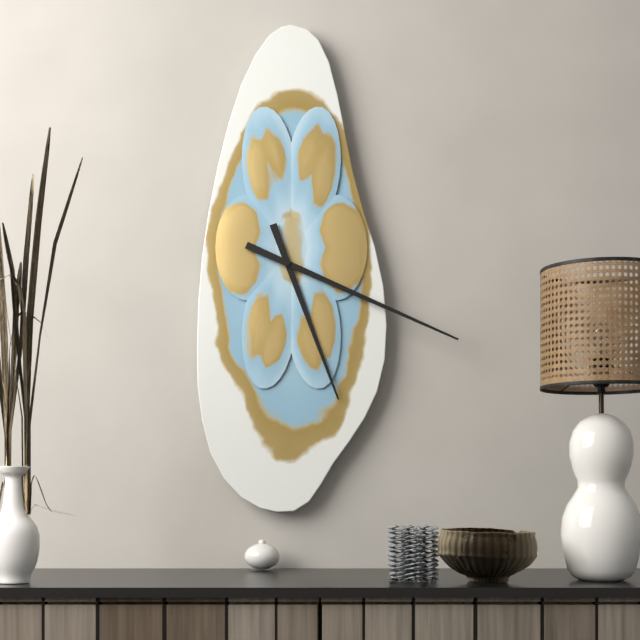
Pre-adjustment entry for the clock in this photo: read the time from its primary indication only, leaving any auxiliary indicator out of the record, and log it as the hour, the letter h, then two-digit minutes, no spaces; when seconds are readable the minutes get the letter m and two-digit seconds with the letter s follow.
5h19
